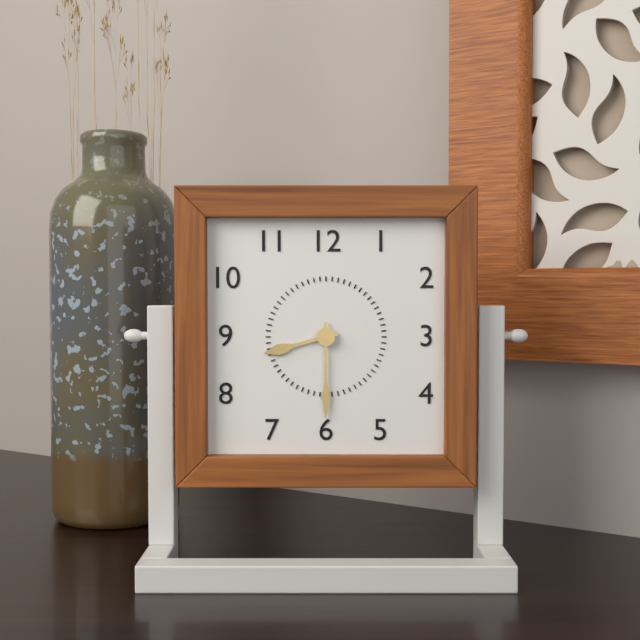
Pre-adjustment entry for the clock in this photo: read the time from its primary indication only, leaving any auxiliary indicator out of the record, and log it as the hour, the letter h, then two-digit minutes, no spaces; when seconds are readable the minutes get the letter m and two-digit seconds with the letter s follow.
8h30
